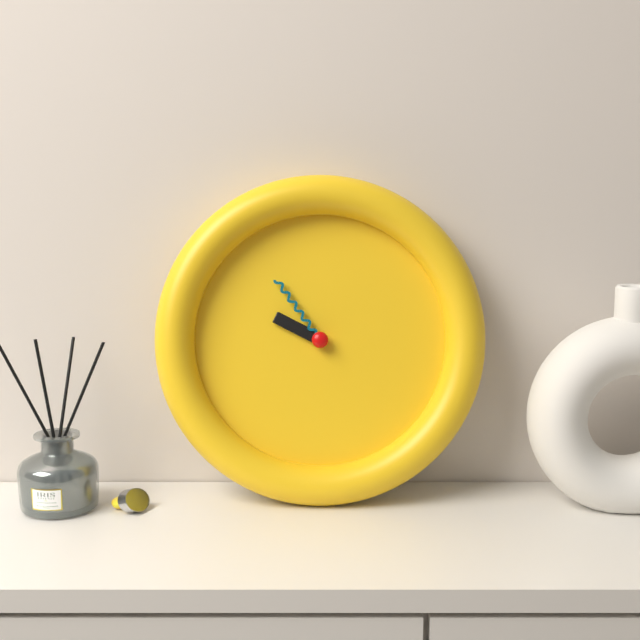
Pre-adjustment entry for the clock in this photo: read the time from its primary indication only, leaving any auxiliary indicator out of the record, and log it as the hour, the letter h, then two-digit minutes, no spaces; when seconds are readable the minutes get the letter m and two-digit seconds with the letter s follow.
9h54
